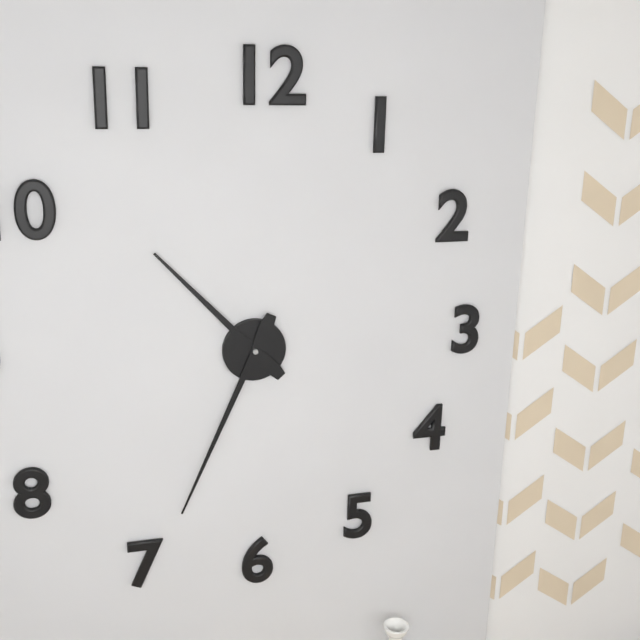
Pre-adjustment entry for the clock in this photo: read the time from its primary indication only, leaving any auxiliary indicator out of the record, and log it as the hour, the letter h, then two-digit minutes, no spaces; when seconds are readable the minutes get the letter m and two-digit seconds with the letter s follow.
10h34
